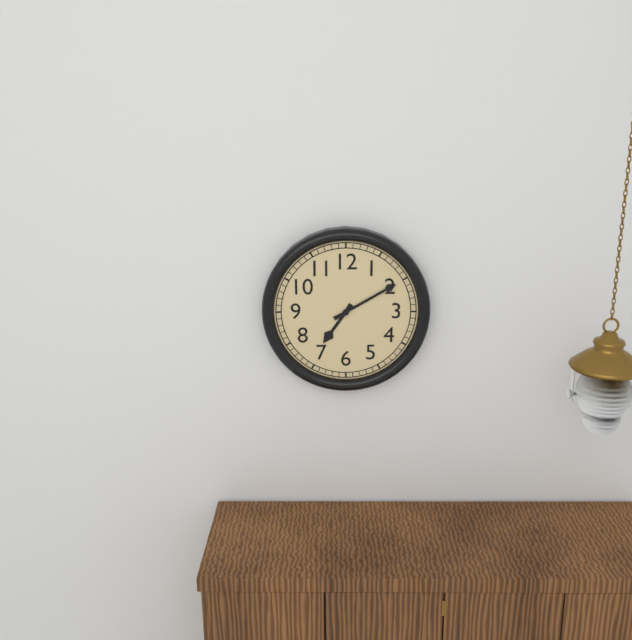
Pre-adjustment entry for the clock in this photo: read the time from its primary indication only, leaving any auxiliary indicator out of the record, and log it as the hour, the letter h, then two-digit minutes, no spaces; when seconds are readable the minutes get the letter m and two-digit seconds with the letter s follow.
7h10
